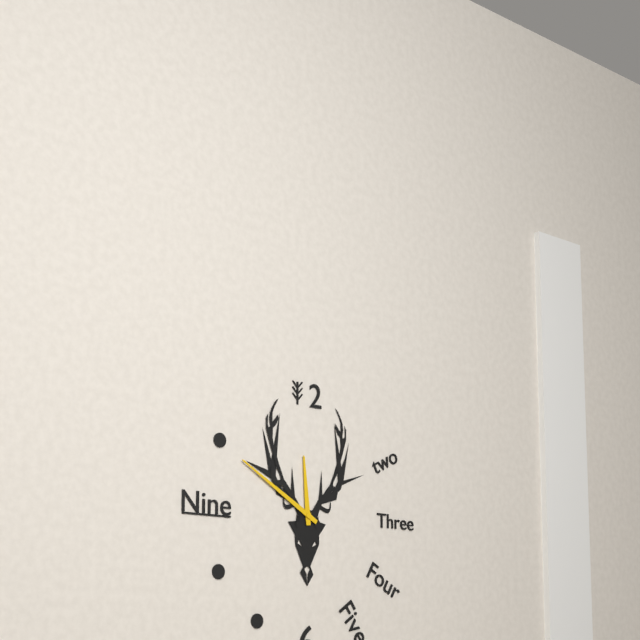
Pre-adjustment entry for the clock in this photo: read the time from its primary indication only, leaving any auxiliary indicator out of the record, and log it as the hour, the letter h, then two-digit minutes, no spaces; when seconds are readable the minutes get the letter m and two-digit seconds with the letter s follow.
11h50
